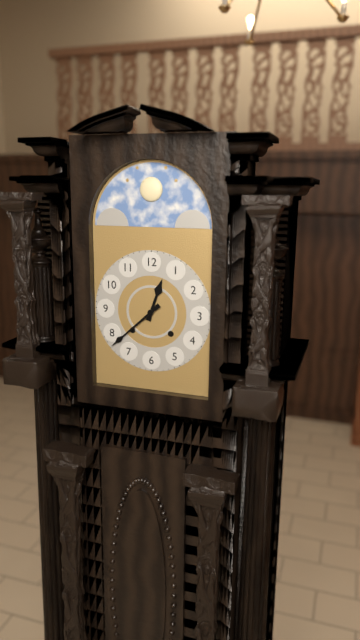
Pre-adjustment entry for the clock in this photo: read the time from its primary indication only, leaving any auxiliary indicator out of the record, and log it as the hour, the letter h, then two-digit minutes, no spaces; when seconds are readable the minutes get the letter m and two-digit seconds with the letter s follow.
12h38
